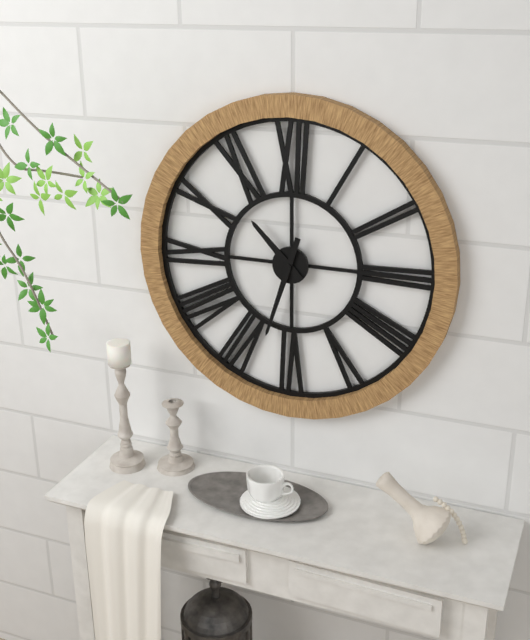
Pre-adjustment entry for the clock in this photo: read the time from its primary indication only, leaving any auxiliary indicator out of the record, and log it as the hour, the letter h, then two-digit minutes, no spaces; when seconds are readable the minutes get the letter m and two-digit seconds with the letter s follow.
10h33
